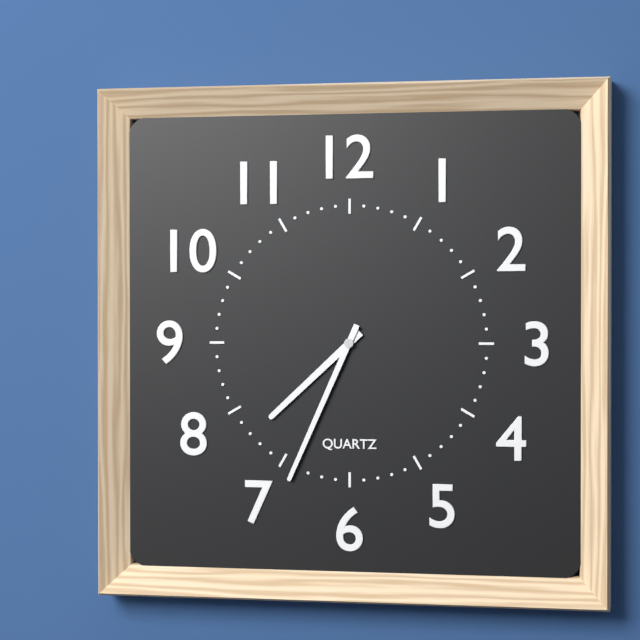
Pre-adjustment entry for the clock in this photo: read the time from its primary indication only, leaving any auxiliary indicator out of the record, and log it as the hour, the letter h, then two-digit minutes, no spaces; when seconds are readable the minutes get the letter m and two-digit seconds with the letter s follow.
7h34
